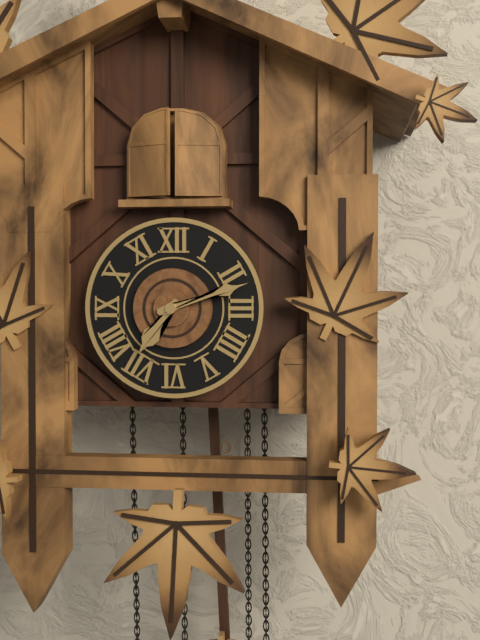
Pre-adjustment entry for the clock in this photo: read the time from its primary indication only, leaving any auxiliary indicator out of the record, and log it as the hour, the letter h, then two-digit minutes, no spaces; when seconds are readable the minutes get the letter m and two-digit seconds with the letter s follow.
7h12
